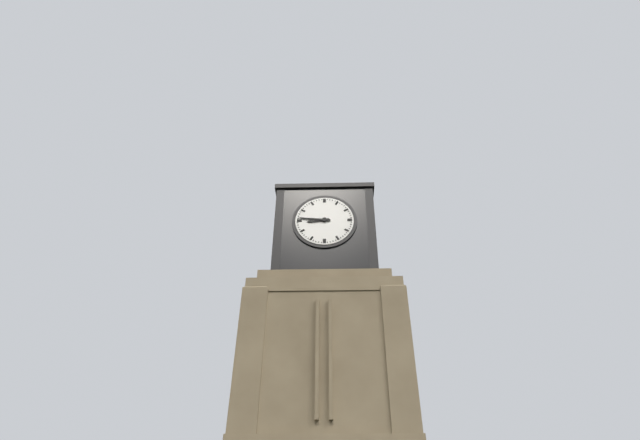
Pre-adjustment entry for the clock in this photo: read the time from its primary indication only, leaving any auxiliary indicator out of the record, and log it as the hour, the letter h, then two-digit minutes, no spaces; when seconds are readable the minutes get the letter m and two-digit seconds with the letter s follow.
8h46
